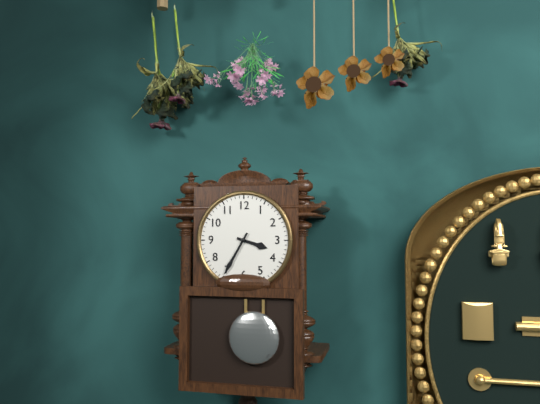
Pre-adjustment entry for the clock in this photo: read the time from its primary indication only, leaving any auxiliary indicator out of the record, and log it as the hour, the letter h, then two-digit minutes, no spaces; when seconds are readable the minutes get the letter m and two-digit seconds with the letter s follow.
3h35
